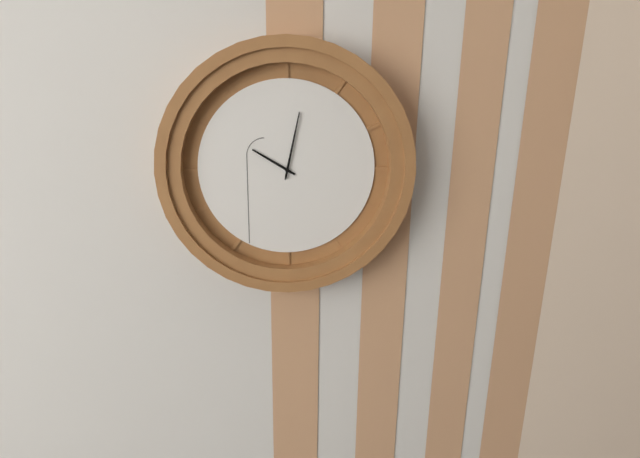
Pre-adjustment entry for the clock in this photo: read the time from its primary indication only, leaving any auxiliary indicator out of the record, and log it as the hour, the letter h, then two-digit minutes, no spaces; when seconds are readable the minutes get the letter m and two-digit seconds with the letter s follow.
10h02
